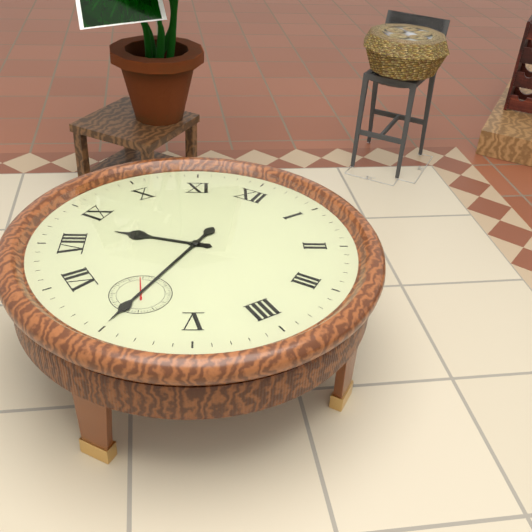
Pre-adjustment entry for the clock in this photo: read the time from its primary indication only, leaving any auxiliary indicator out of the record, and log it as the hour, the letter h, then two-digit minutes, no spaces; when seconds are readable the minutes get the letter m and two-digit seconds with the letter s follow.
8h30
